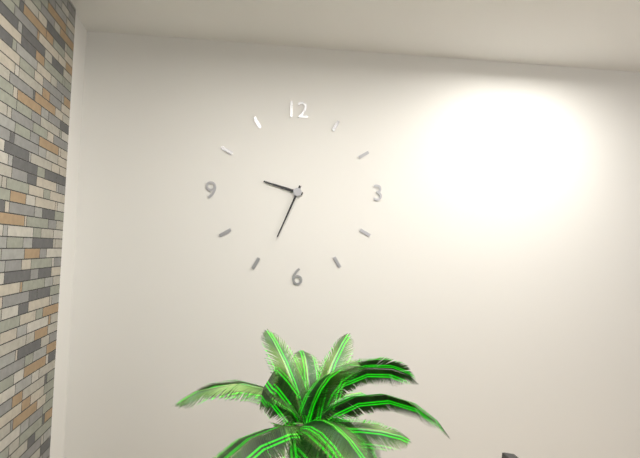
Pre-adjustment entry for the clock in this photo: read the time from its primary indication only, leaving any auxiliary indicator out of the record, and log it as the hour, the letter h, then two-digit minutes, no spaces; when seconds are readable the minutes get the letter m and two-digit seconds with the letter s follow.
9h34
